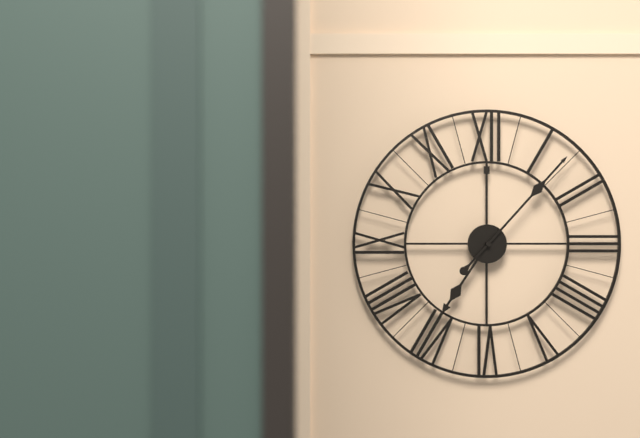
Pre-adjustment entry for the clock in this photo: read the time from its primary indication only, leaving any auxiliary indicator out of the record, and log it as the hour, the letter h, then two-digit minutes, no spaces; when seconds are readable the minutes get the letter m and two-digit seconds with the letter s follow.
7h07
